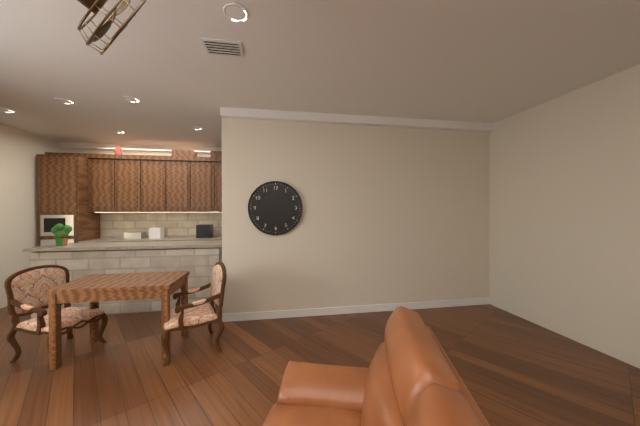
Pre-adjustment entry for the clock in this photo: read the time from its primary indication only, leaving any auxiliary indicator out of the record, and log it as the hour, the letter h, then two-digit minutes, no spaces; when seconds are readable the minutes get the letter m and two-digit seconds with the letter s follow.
12h09
